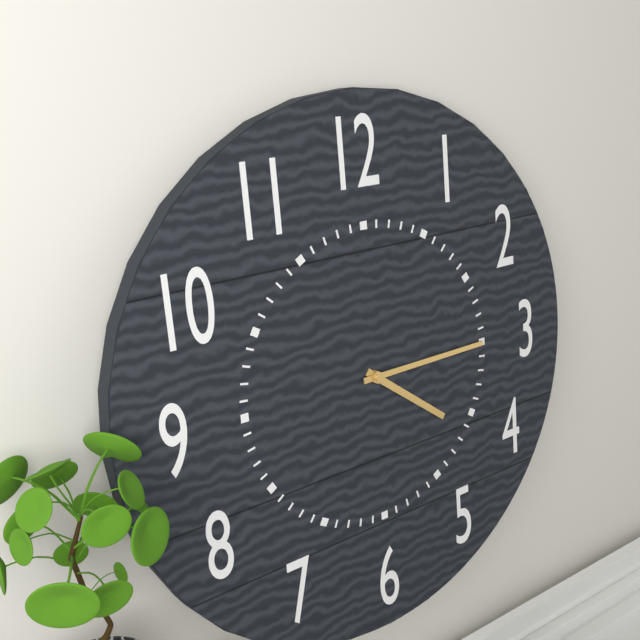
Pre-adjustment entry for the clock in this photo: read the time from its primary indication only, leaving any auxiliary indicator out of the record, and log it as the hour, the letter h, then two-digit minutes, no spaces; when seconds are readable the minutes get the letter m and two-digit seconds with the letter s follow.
4h15
